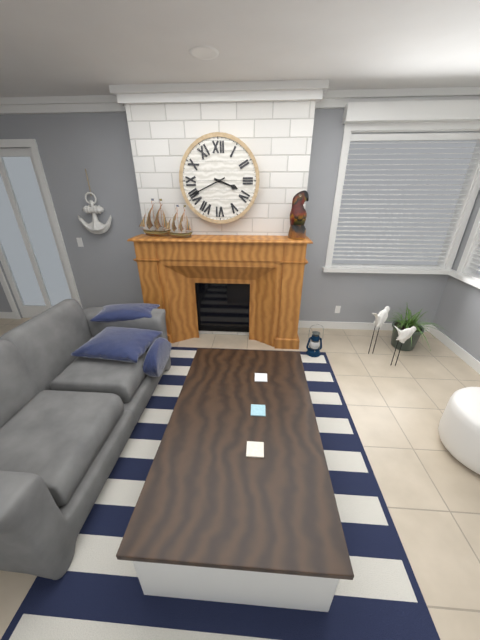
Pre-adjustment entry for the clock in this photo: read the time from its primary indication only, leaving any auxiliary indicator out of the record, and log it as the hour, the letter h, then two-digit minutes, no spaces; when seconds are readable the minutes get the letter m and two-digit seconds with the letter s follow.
3h41
